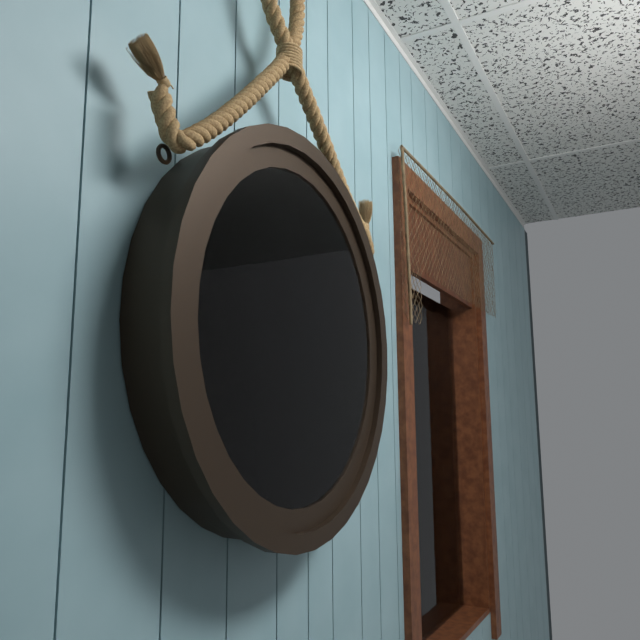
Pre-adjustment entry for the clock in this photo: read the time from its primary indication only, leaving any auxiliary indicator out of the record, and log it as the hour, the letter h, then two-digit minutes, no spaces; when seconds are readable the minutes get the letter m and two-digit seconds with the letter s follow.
12h37
